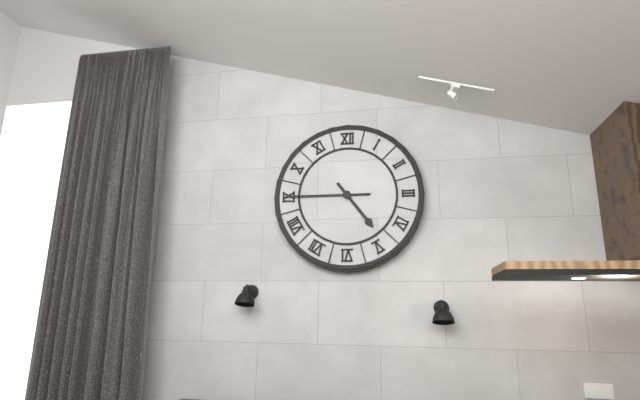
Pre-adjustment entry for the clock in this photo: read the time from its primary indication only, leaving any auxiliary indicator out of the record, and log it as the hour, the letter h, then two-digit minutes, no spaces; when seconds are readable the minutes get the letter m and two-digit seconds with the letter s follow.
4h45
